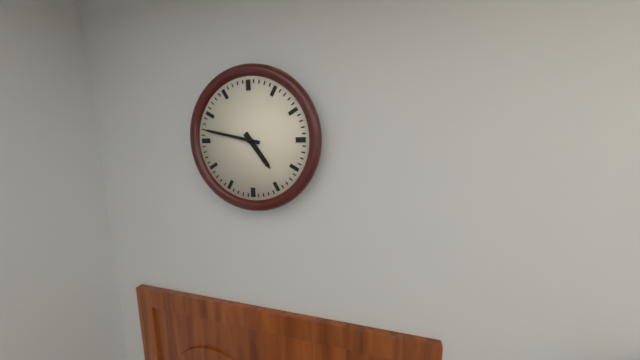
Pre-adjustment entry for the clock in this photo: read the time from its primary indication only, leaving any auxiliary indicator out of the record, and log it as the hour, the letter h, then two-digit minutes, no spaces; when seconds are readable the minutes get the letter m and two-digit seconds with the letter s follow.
4h47
